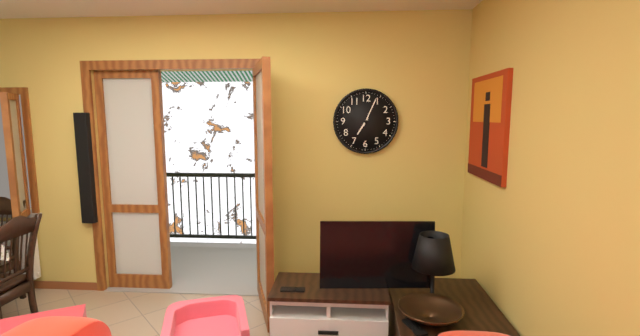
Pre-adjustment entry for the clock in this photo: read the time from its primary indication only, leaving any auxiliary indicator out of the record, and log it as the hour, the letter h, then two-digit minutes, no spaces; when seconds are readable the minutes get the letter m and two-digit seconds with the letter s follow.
7h04
